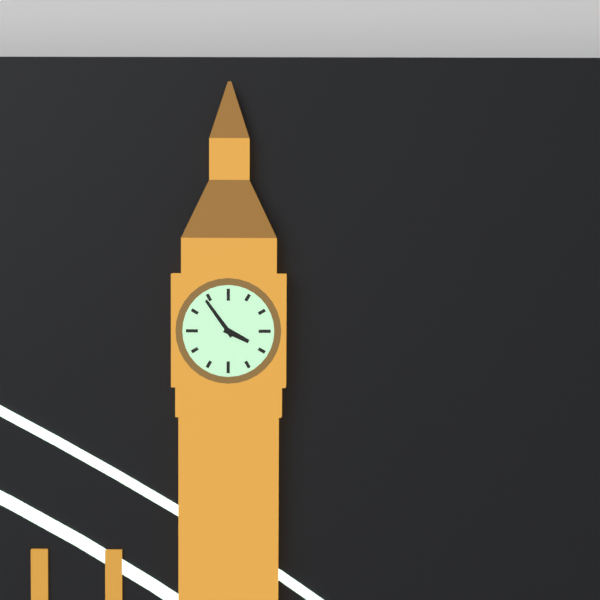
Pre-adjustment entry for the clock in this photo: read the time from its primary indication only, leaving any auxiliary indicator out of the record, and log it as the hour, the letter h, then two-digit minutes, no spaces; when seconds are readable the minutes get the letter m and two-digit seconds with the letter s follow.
3h54
